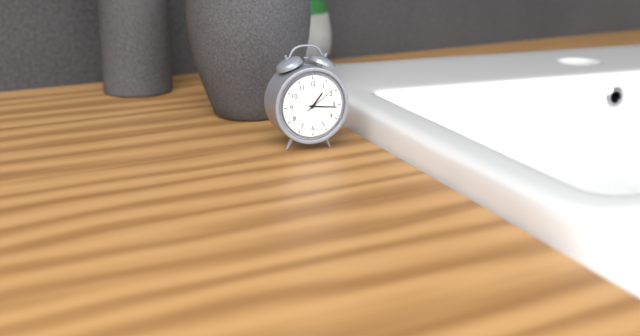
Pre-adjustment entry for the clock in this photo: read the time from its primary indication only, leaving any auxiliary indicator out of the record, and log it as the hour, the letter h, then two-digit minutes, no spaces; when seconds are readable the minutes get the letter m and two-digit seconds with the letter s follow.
1h16
